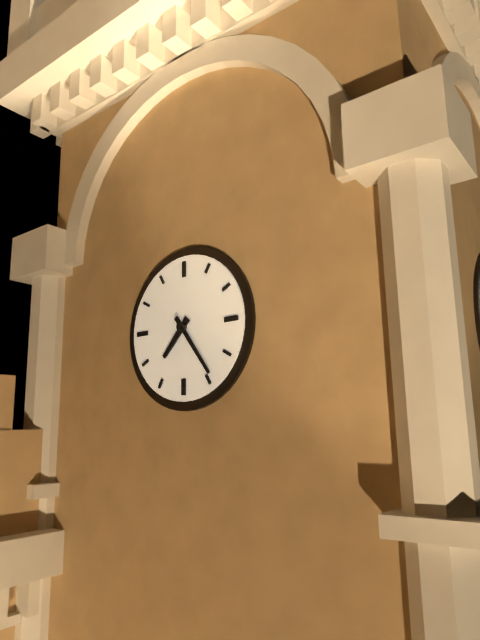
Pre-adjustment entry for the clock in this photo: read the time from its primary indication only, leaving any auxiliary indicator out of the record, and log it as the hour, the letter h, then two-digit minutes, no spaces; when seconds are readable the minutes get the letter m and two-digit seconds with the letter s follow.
7h24
